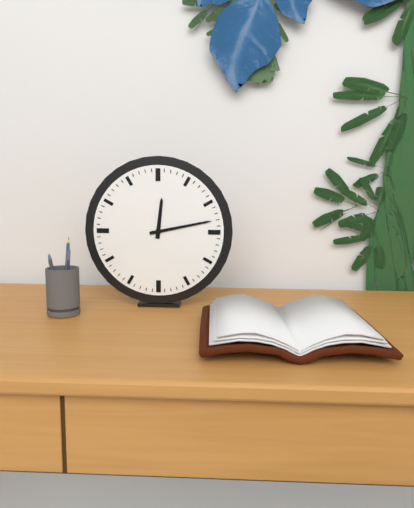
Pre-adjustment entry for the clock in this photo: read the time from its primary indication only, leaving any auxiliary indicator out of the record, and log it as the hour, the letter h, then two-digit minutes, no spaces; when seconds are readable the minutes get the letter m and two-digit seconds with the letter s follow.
12h13
